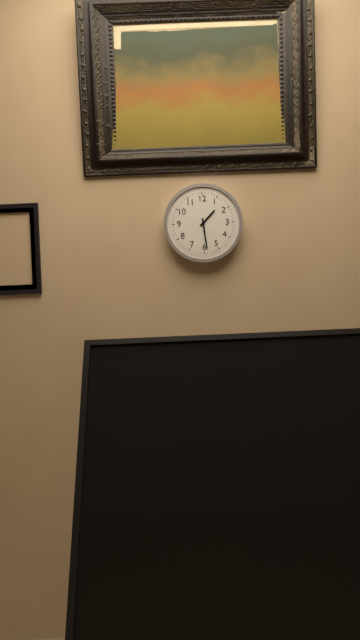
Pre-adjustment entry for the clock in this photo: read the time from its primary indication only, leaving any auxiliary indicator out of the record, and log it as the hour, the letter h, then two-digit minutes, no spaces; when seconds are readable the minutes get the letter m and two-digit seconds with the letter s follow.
1h29
